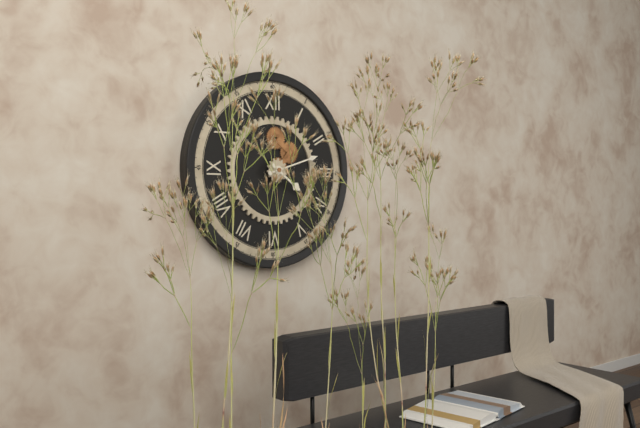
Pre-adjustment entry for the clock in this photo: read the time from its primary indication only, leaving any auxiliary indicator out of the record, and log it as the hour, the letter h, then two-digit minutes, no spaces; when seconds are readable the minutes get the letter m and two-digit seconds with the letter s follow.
4h12
